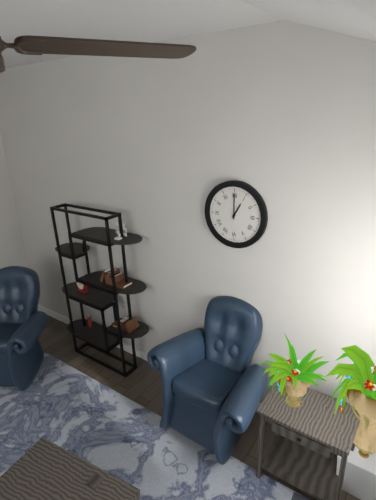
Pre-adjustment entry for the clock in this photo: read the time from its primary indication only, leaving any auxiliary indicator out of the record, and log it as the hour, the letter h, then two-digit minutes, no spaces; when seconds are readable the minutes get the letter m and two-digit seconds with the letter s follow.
1h00
